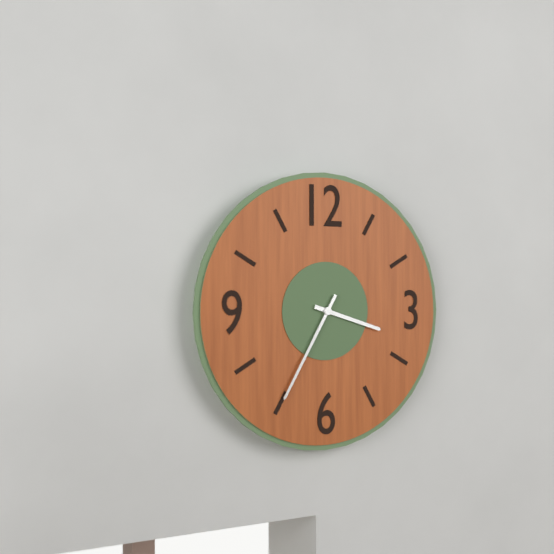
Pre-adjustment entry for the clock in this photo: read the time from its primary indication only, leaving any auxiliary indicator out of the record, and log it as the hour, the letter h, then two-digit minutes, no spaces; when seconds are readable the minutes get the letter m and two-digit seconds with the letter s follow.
3h35
